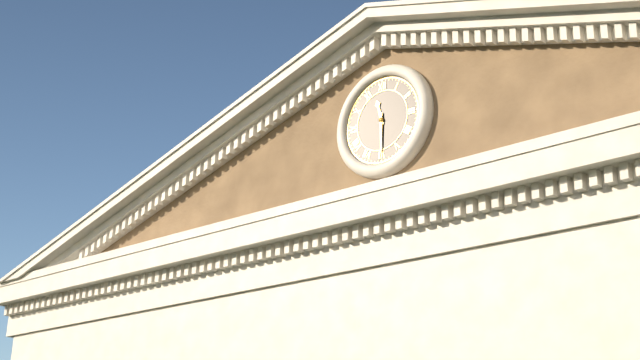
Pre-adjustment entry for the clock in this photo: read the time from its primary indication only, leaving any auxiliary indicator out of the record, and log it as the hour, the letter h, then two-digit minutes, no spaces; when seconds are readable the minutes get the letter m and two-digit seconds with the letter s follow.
11h30
